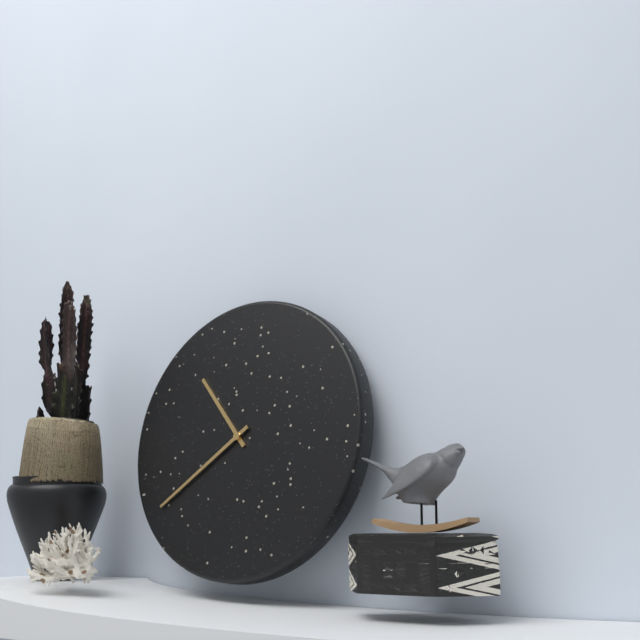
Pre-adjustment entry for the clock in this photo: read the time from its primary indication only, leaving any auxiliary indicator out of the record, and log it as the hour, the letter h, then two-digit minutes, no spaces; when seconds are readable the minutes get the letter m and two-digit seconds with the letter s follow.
10h39
